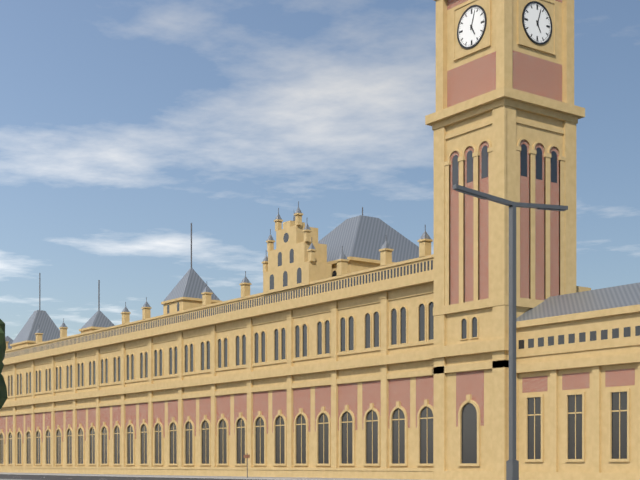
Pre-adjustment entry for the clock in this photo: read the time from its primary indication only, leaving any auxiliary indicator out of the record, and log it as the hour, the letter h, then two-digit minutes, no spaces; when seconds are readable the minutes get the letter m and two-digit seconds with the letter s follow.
5h03
